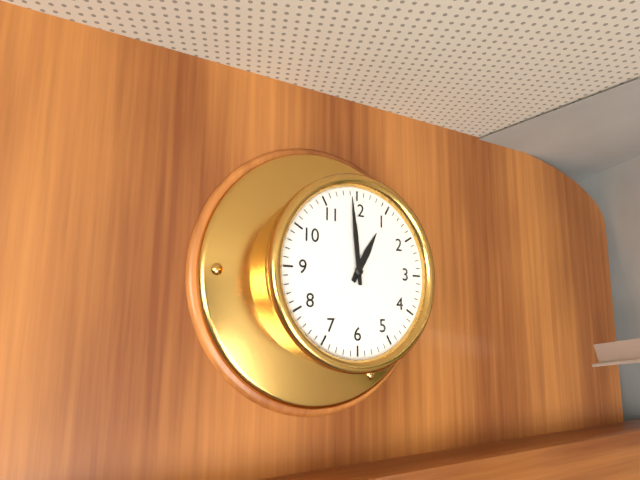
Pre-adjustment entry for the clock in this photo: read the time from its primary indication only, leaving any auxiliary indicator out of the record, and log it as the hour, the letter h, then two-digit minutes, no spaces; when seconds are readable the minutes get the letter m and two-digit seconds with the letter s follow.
12h59
